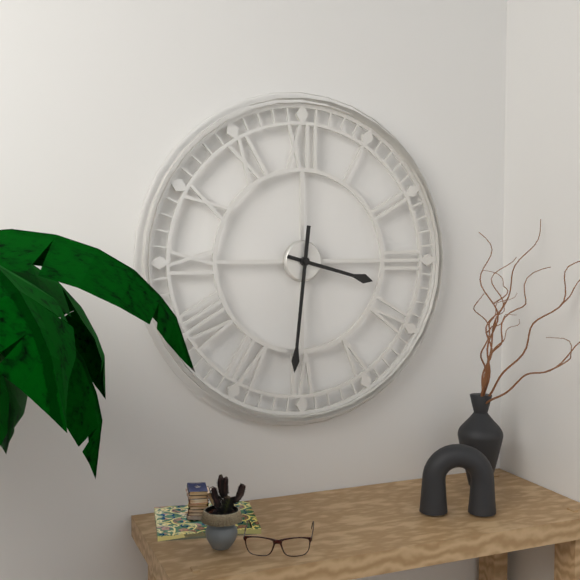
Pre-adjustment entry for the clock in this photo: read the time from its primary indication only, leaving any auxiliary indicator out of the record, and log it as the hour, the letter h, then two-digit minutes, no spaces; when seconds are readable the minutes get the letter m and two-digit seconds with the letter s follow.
3h31
